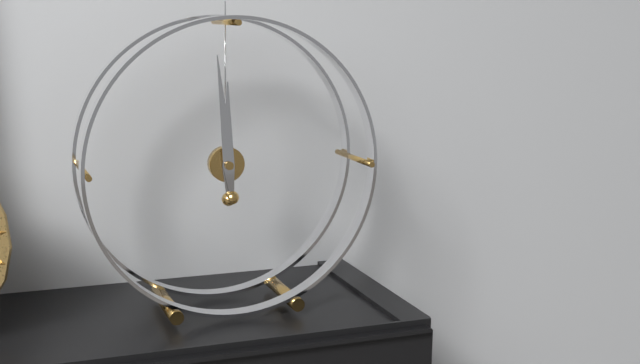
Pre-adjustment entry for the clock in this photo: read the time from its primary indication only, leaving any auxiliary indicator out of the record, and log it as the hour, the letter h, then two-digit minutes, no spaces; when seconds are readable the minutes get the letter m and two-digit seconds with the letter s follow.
11h59
